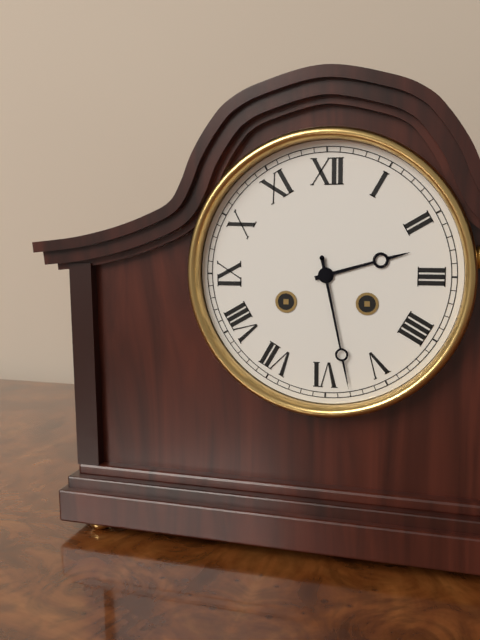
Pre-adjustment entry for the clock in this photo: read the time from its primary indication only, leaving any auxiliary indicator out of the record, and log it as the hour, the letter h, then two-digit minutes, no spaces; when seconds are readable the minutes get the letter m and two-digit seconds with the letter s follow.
2h28
